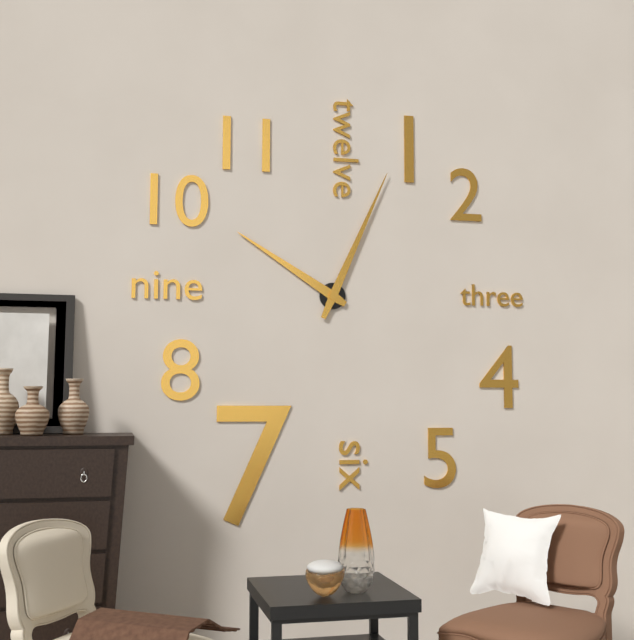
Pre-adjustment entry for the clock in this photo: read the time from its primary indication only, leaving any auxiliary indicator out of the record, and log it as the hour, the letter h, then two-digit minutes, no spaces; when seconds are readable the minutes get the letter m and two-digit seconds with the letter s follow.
10h04
